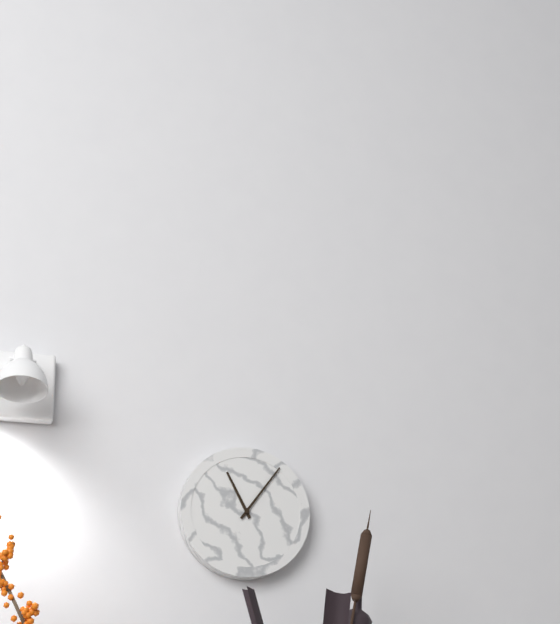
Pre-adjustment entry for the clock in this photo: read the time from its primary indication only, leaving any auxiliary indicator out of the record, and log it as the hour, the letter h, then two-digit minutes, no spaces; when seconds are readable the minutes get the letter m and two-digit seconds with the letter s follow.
11h06
